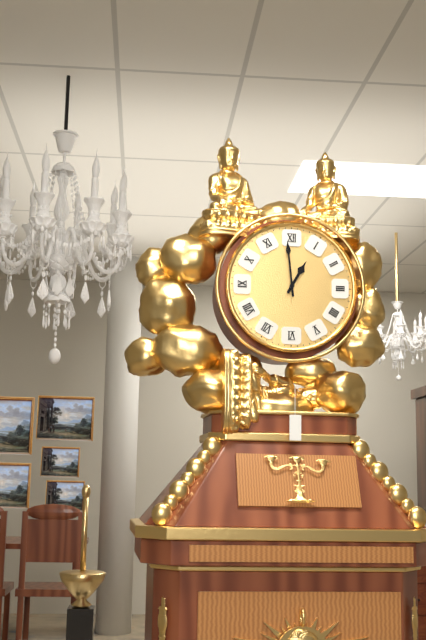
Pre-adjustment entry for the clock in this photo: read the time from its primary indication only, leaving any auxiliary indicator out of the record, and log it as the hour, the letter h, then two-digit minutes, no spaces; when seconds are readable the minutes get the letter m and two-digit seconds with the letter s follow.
12h59
